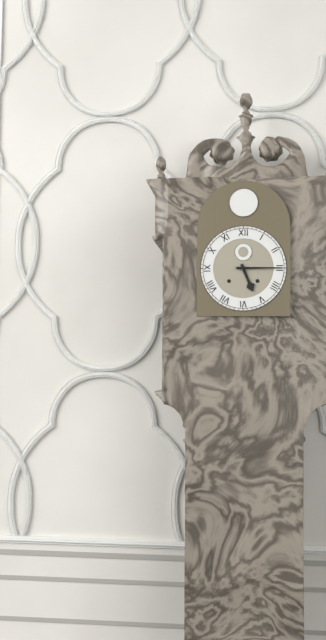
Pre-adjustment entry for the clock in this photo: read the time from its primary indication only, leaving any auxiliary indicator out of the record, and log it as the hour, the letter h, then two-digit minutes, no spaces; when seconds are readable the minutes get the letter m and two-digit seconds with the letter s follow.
5h15
